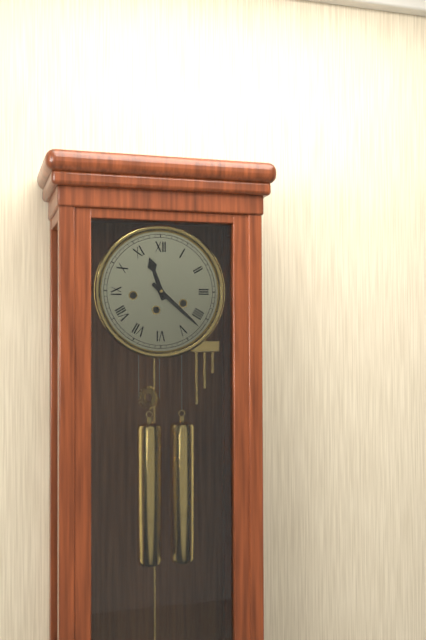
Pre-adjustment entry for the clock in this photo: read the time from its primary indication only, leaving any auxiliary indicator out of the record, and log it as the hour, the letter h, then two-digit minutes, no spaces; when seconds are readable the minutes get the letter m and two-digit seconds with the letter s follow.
11h22
